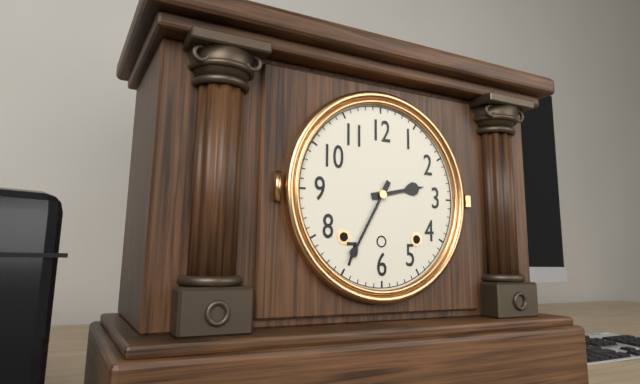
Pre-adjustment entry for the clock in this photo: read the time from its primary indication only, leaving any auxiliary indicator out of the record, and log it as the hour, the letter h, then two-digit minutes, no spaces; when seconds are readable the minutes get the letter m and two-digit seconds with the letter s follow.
2h35
